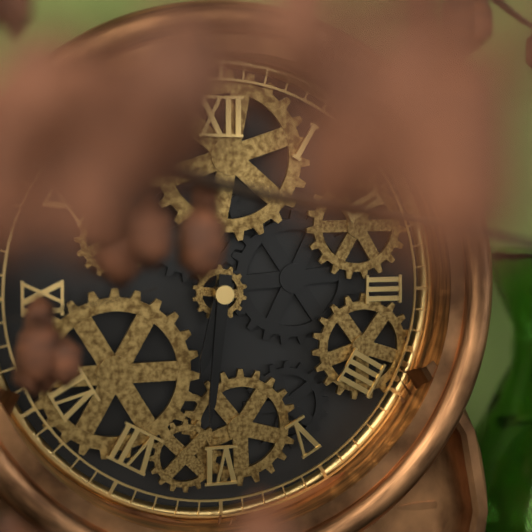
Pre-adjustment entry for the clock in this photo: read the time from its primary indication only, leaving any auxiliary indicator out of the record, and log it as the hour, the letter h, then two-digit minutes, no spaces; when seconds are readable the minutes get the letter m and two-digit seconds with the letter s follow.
6h31
